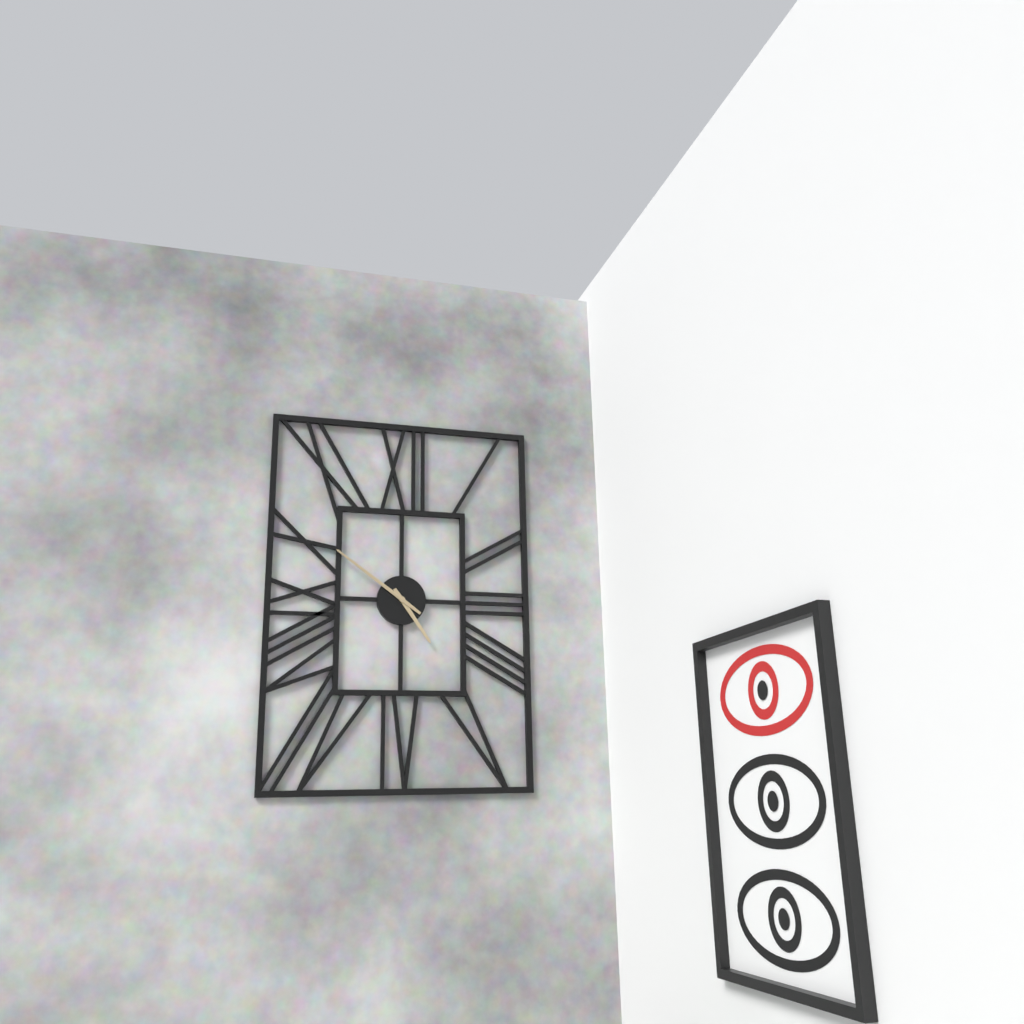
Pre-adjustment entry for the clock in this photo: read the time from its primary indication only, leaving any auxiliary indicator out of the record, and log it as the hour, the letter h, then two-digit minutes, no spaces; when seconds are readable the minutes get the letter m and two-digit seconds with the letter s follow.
4h51
